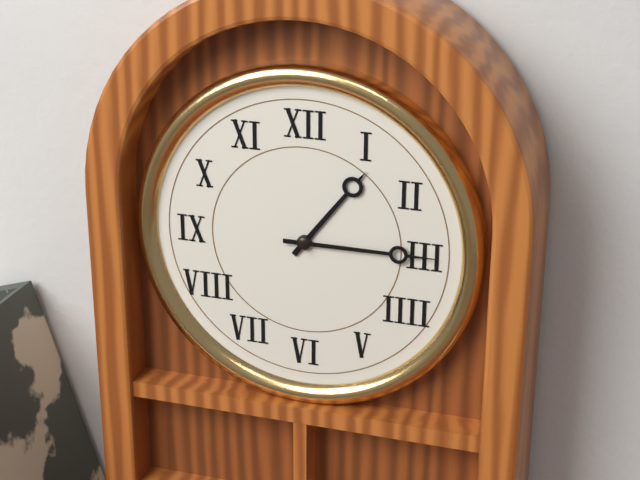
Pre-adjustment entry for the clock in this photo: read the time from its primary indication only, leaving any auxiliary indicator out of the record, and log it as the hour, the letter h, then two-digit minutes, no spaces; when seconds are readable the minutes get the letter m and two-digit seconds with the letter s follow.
1h15
